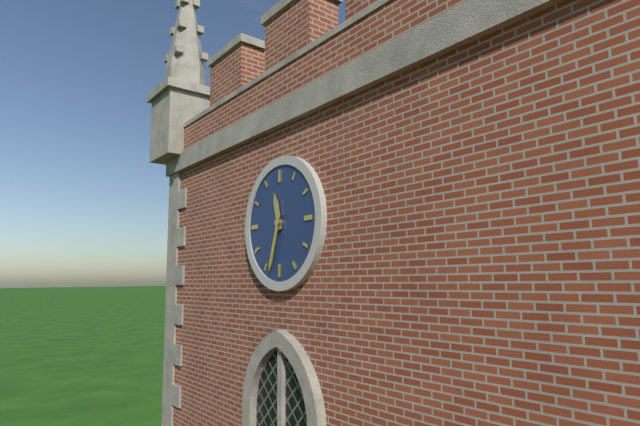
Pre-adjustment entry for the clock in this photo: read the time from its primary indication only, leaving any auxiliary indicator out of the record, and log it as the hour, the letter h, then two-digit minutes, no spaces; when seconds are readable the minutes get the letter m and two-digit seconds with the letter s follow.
11h33
